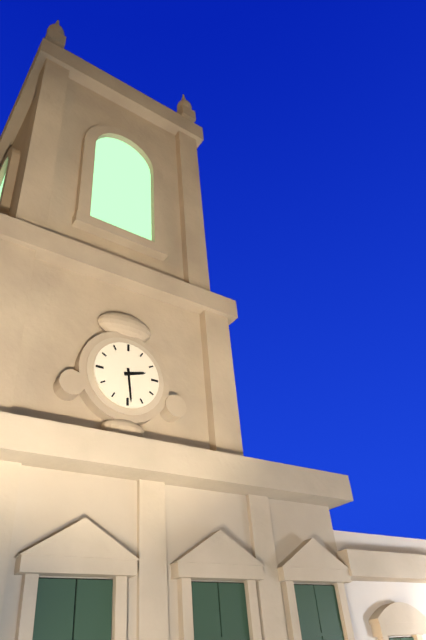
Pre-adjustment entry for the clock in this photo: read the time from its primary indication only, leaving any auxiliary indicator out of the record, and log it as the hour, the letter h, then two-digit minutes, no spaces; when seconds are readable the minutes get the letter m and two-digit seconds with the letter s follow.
2h29
